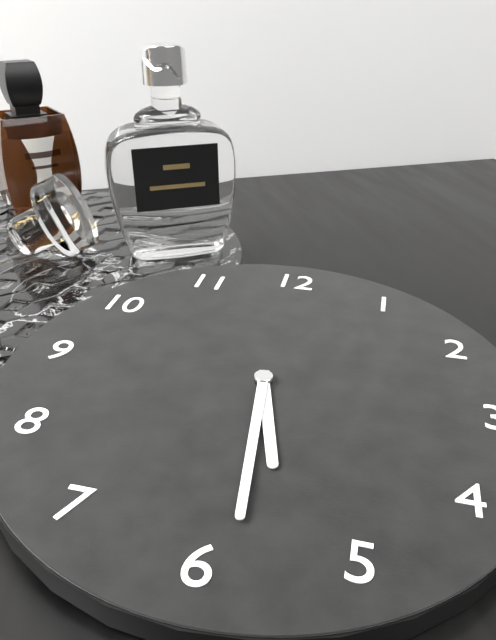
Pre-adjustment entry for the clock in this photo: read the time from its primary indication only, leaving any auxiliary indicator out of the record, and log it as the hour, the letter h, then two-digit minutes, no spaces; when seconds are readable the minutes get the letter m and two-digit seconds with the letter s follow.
5h29
